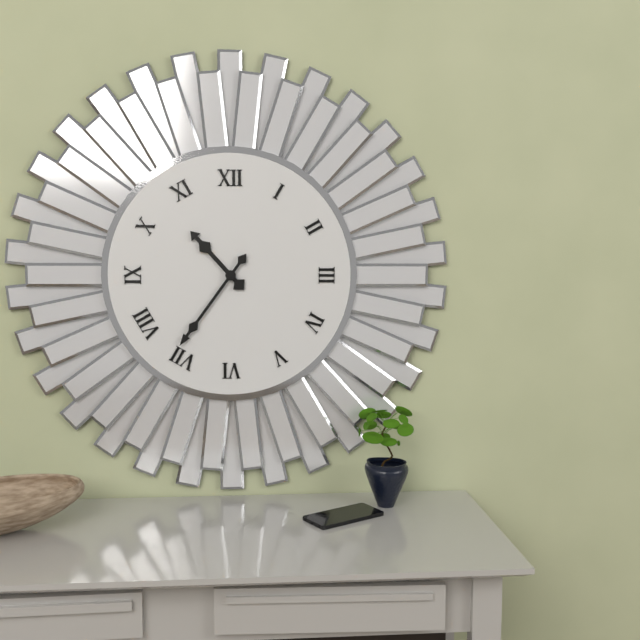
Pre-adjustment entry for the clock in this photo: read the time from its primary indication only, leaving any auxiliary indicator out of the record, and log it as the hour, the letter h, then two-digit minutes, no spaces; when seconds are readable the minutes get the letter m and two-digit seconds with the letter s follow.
10h36
